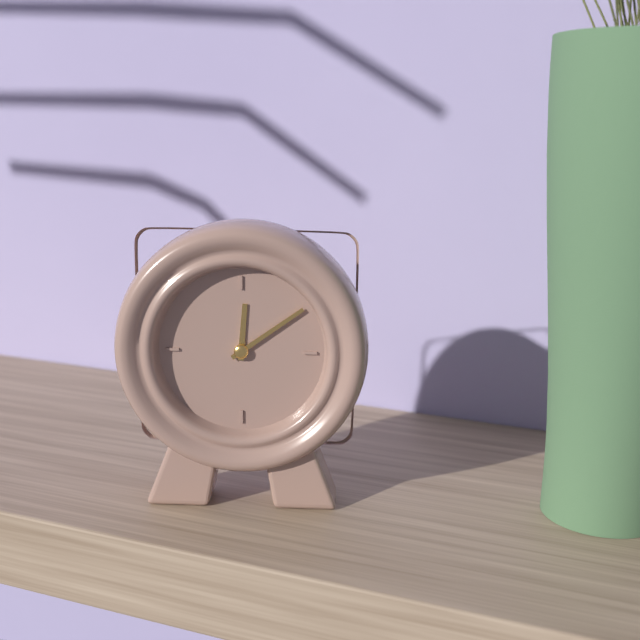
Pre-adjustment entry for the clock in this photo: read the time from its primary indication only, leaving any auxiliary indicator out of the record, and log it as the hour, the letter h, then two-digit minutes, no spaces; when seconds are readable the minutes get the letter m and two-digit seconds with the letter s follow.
12h09
